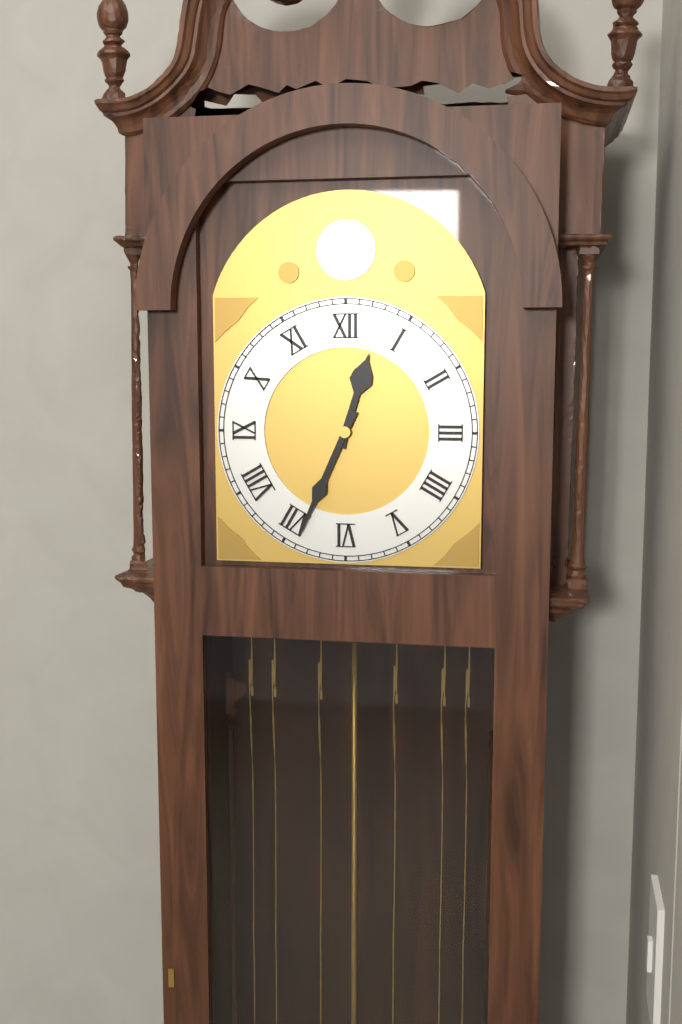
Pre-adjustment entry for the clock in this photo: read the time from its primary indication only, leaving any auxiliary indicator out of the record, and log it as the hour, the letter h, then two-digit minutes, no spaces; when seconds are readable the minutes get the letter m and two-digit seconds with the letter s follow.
12h34
